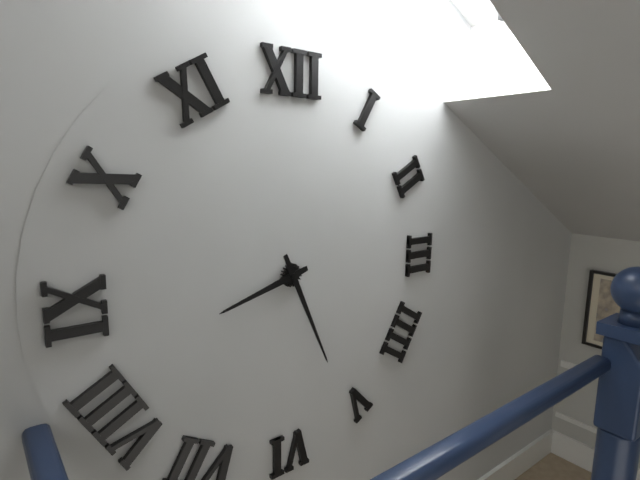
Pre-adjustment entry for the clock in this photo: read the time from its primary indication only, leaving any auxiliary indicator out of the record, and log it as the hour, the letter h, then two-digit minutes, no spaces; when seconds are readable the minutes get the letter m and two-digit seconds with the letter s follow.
8h26
